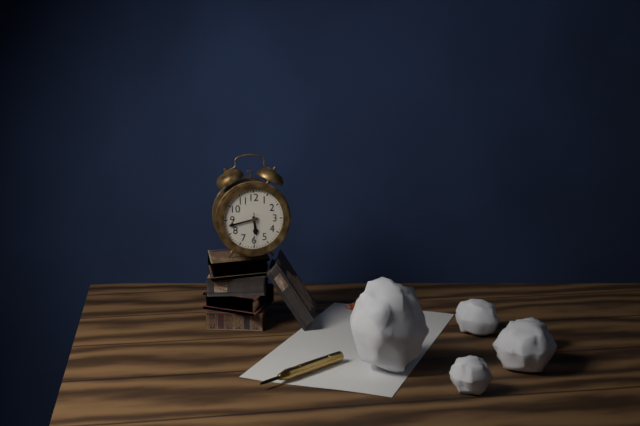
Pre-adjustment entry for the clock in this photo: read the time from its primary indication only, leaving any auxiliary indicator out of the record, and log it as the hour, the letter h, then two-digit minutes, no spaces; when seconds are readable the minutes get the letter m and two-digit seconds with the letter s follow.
5h43
